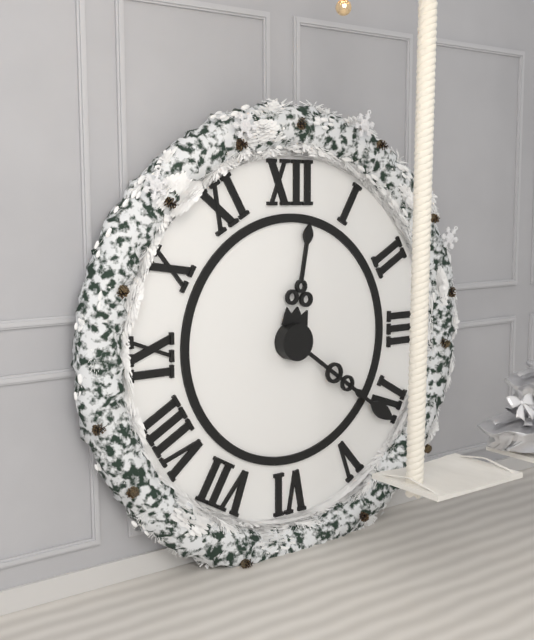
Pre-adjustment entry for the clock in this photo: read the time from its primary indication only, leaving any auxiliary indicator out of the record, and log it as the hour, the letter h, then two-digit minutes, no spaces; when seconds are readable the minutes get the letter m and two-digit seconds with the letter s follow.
12h21
